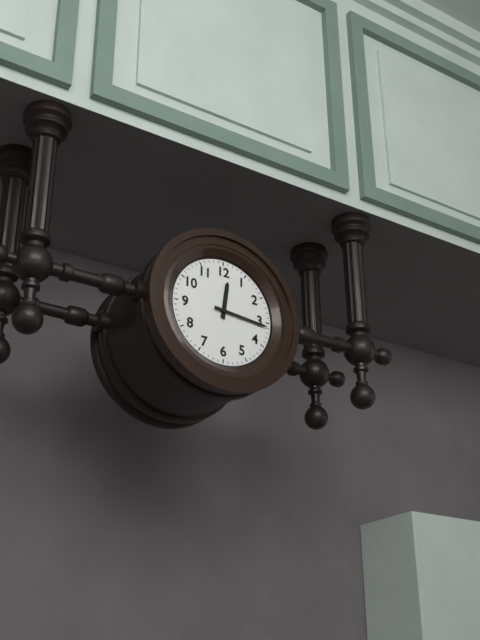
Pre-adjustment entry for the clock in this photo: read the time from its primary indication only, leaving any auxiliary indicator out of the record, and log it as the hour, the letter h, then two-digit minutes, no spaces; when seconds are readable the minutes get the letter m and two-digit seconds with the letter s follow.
12h16
